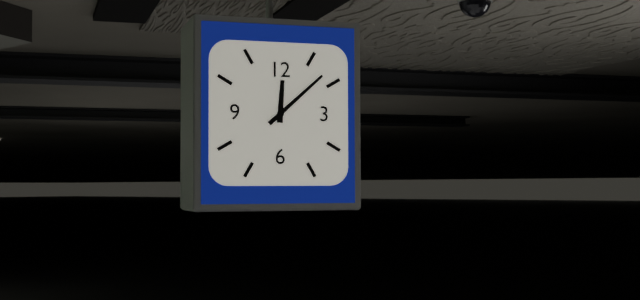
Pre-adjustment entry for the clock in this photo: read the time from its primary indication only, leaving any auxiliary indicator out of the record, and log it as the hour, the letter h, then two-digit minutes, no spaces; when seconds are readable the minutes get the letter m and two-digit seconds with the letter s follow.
12h08
